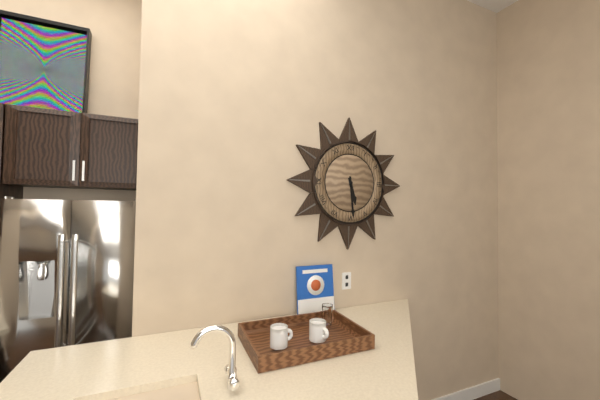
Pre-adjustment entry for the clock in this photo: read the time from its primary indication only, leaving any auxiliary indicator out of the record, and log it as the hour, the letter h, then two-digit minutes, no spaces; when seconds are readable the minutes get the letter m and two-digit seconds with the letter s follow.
5h29
